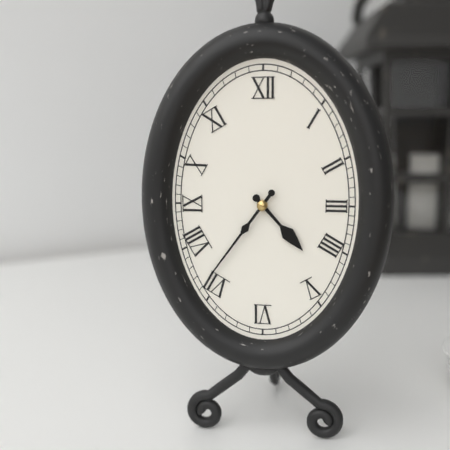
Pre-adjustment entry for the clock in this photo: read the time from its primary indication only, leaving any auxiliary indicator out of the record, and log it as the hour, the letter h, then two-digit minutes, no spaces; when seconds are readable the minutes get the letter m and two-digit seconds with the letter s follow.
4h36
